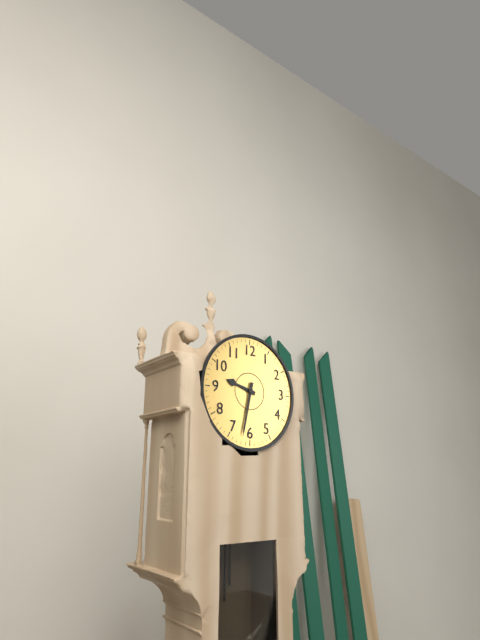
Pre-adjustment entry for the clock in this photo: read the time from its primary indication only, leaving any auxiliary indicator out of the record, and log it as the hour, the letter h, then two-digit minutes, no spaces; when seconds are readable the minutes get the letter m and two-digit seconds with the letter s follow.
9h32
